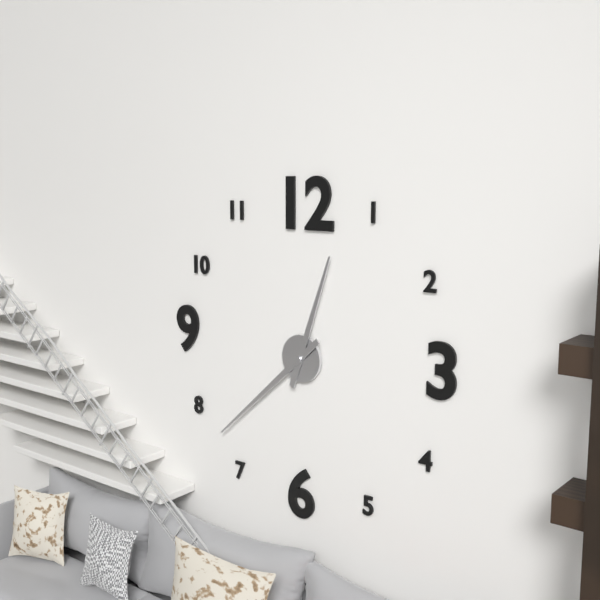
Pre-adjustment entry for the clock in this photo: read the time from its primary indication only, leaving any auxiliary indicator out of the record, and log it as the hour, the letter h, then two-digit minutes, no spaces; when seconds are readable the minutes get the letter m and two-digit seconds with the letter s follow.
12h38
